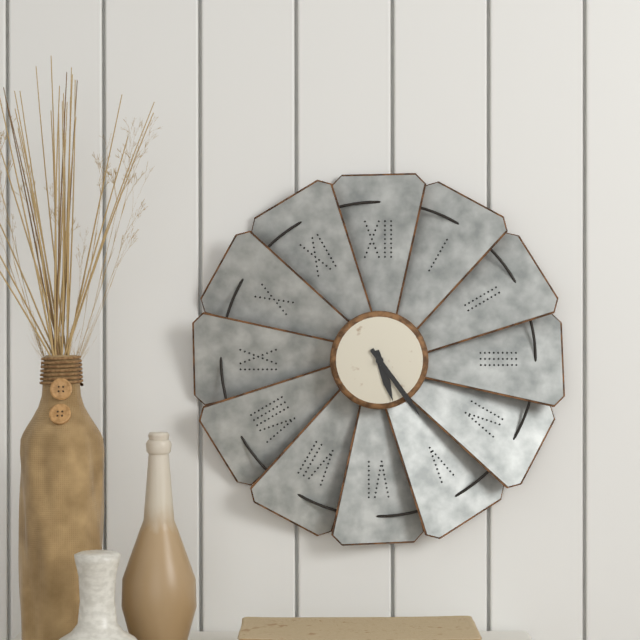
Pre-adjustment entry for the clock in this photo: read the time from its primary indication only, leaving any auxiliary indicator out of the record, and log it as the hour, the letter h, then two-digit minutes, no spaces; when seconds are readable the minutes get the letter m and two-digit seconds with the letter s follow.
5h24
